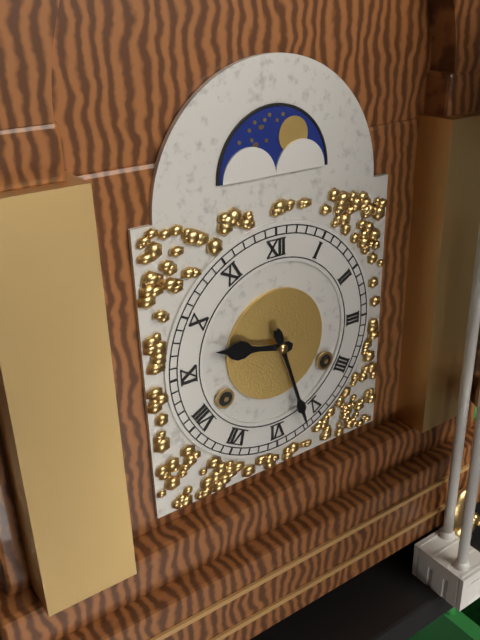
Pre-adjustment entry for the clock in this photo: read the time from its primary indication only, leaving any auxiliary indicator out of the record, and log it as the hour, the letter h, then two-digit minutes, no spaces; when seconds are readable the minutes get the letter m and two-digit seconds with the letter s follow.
9h27
